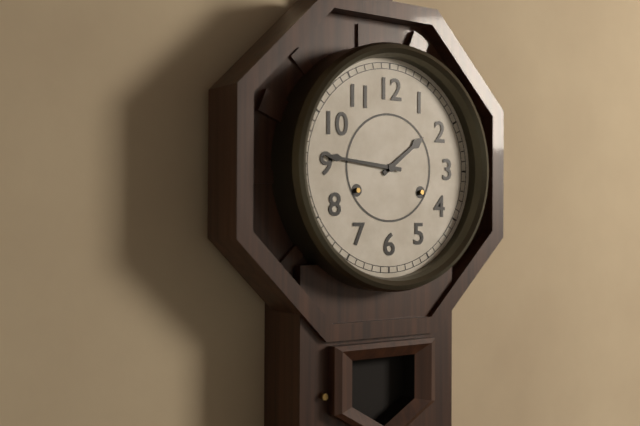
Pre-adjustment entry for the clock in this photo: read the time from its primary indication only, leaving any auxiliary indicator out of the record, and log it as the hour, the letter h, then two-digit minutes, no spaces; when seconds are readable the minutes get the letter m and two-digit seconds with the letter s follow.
1h46
